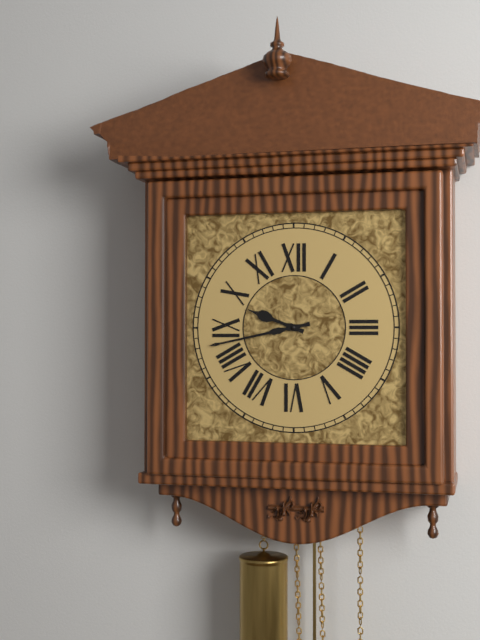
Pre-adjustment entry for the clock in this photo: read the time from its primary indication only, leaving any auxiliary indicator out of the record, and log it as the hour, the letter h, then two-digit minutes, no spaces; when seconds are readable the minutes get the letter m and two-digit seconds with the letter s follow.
9h43
